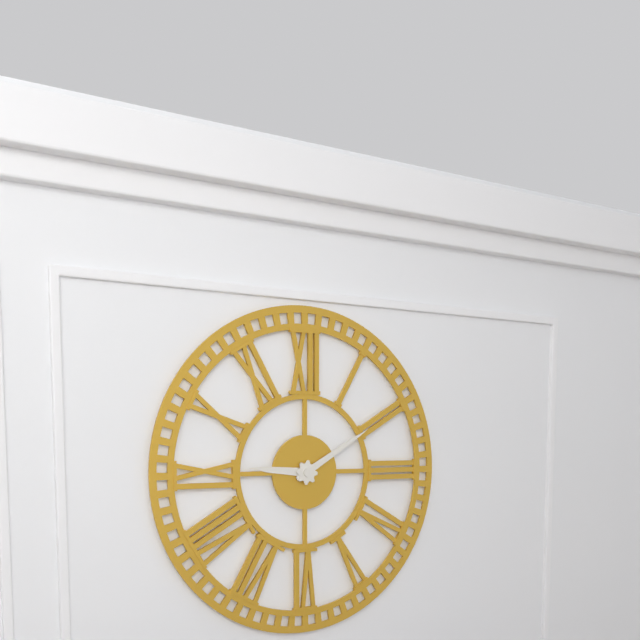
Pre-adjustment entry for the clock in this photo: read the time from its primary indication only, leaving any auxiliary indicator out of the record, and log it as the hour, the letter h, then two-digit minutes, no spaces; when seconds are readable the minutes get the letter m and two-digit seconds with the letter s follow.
9h10
